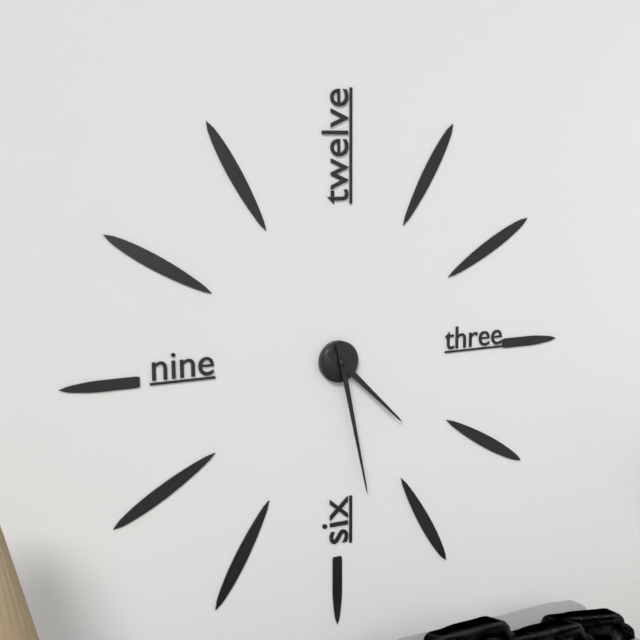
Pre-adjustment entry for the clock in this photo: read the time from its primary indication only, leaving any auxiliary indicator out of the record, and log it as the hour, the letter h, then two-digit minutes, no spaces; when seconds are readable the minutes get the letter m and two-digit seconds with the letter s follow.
4h28
